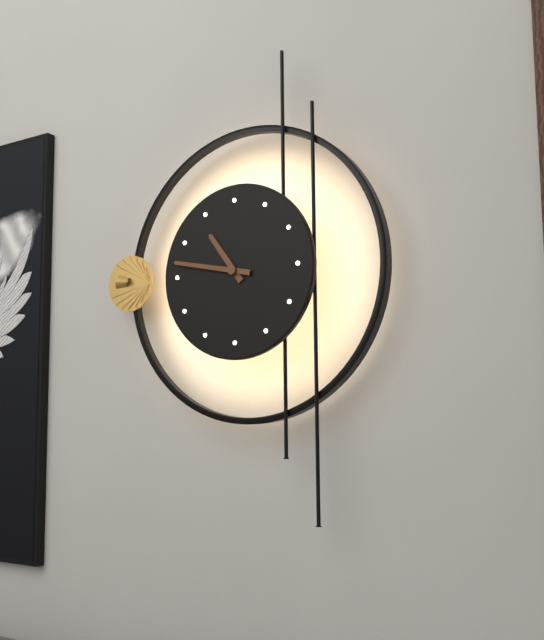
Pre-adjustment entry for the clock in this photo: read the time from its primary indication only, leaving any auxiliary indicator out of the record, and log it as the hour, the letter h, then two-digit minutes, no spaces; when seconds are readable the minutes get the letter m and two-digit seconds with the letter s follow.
10h47
